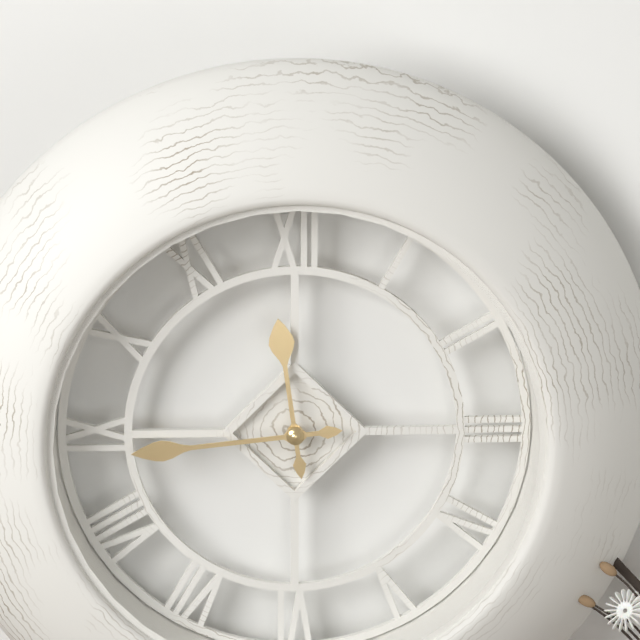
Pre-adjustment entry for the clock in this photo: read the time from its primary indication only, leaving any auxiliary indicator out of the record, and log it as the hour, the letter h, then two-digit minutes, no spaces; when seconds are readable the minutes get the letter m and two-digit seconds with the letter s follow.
11h44
